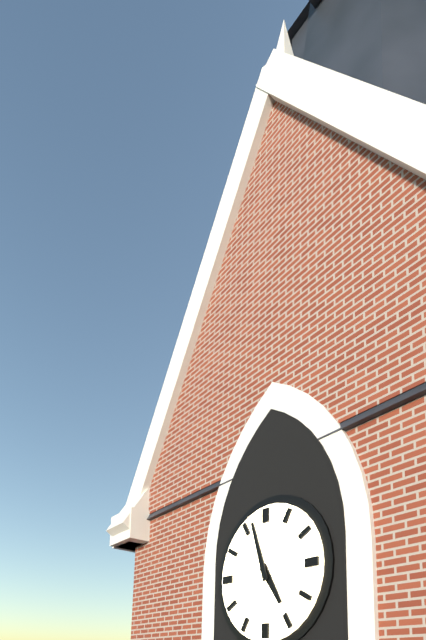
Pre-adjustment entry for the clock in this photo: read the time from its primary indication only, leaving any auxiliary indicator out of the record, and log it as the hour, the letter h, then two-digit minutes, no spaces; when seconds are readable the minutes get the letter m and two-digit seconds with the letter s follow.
4h57
